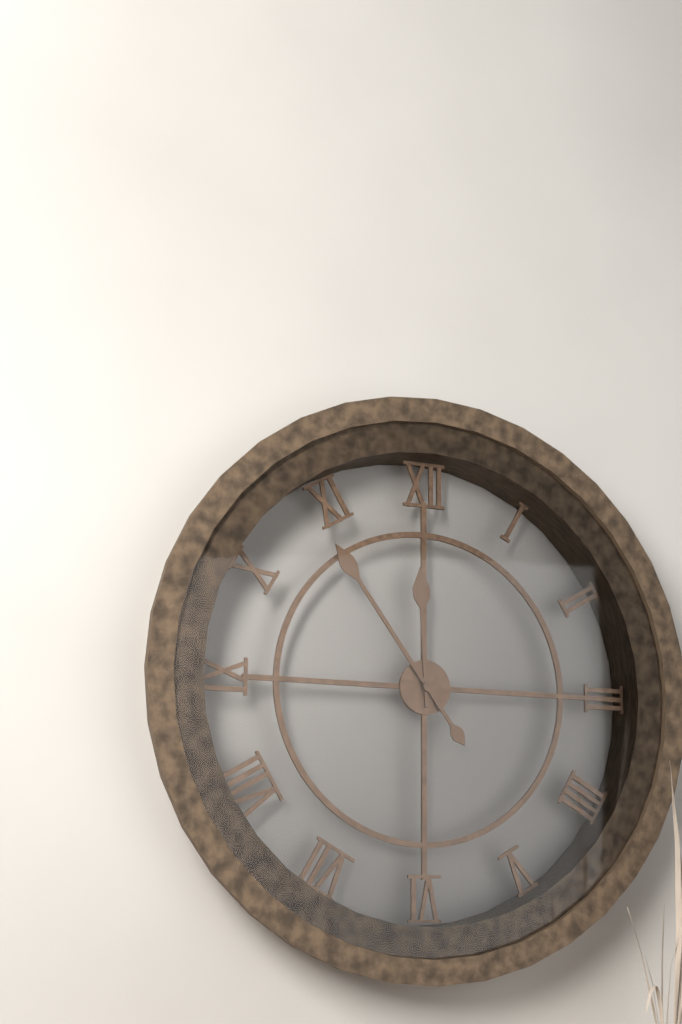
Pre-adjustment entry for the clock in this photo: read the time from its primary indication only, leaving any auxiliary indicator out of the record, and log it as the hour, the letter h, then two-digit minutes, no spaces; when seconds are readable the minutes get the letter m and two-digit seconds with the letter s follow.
11h54
